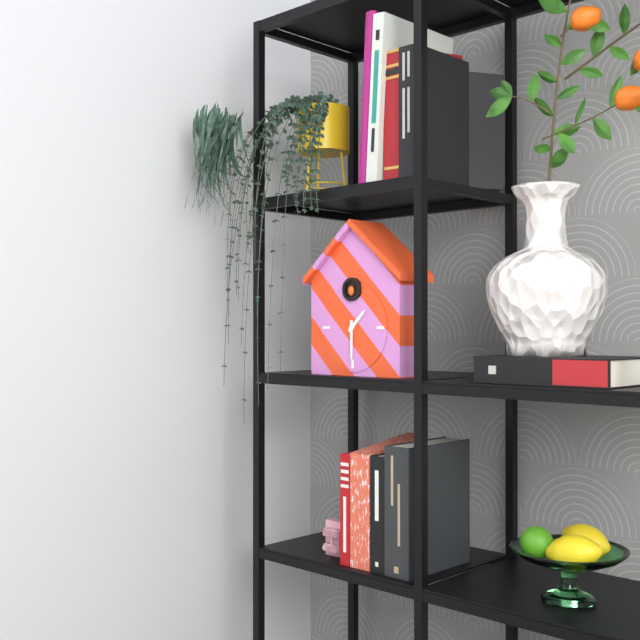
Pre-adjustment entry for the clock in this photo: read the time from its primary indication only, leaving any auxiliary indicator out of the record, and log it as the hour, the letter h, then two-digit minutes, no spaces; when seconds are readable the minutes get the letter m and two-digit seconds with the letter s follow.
1h30
